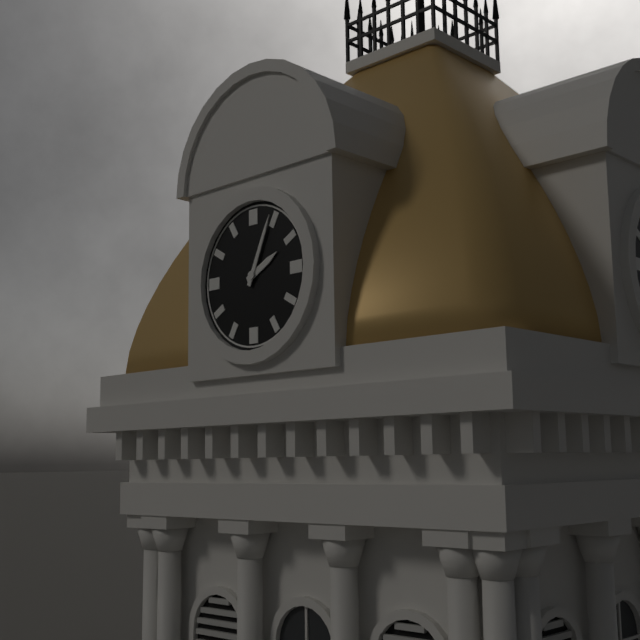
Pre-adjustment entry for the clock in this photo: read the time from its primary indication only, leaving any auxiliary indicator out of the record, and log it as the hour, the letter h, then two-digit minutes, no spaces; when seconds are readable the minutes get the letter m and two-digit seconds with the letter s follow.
2h04
